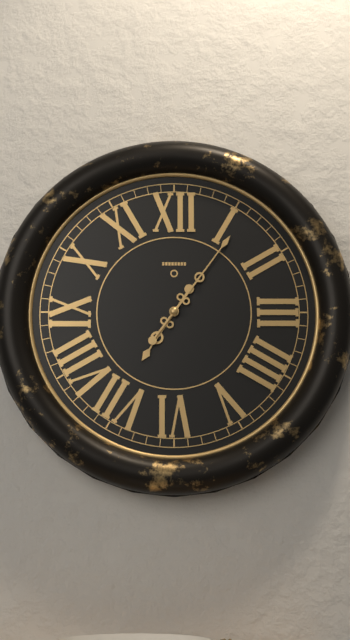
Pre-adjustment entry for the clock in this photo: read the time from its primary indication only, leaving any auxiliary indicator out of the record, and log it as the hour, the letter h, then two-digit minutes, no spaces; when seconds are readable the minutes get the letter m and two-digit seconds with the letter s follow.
7h06
